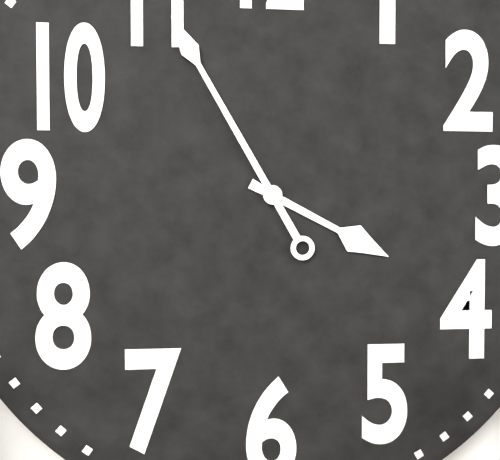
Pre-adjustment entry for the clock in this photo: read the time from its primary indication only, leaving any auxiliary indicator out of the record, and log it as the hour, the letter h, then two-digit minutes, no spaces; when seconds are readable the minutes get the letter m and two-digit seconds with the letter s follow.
3h55
